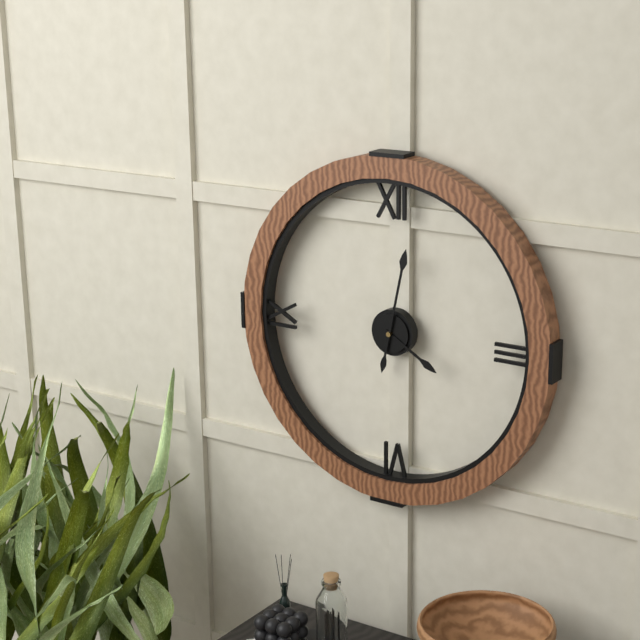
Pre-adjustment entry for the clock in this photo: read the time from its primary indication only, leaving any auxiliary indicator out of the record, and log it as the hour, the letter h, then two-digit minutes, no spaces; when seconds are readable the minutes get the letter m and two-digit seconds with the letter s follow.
4h02
